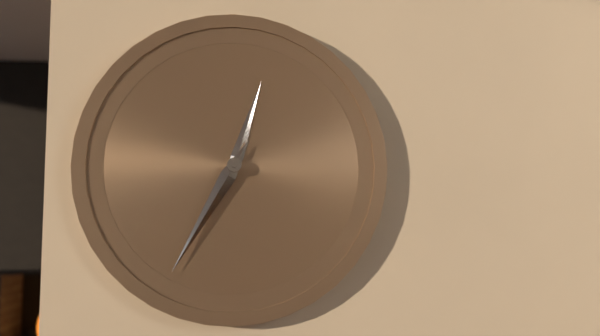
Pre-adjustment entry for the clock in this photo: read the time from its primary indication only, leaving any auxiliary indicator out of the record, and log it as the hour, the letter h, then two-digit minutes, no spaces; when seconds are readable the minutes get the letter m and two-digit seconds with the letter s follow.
12h35
